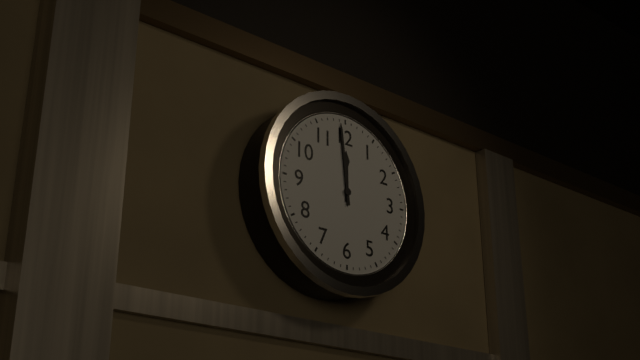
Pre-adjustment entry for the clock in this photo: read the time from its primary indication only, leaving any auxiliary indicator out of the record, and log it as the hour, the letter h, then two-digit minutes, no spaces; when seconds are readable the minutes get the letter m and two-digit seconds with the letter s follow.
11h59
